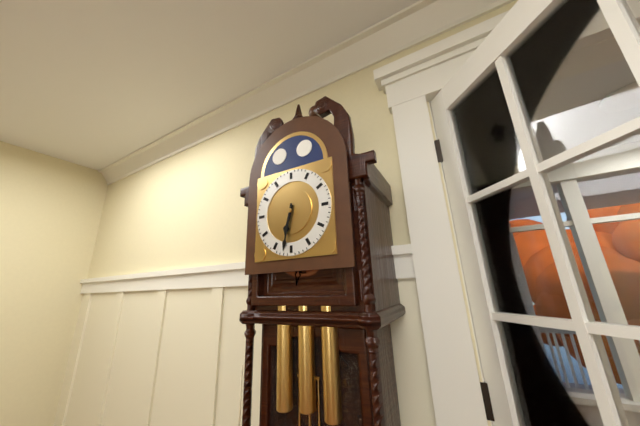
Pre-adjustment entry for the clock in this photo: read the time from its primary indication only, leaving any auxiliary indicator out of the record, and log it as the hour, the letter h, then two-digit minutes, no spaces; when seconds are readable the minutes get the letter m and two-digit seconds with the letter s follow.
6h32
